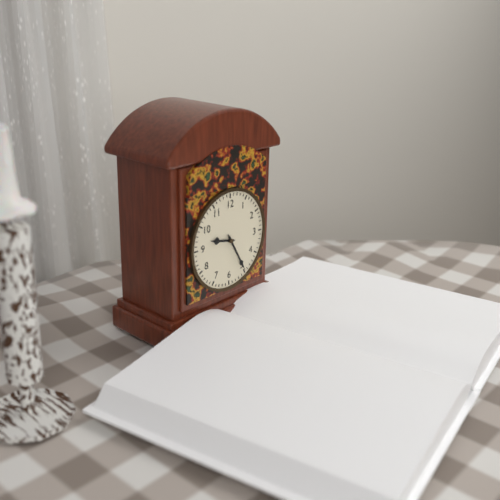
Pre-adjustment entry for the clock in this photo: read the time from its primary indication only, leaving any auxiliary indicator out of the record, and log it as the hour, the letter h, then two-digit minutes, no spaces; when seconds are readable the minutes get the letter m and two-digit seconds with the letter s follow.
9h25
